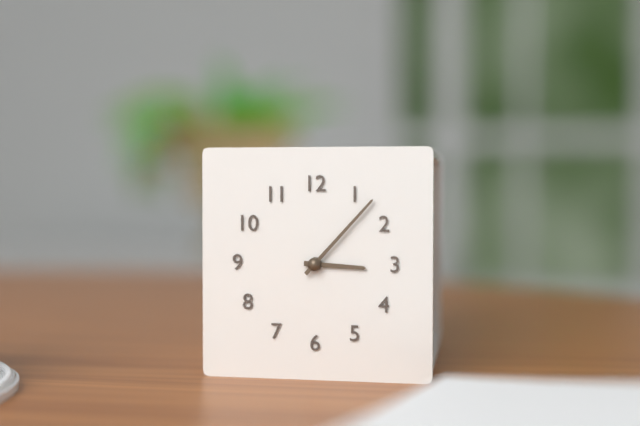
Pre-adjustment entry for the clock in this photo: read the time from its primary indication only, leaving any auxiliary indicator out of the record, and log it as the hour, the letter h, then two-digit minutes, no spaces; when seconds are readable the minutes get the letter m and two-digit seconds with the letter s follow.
3h07
